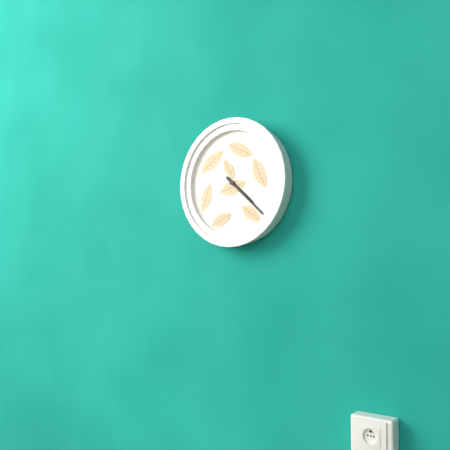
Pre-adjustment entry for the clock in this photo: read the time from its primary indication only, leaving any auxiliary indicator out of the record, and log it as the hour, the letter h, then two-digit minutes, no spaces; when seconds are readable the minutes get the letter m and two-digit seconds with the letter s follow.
4h22
